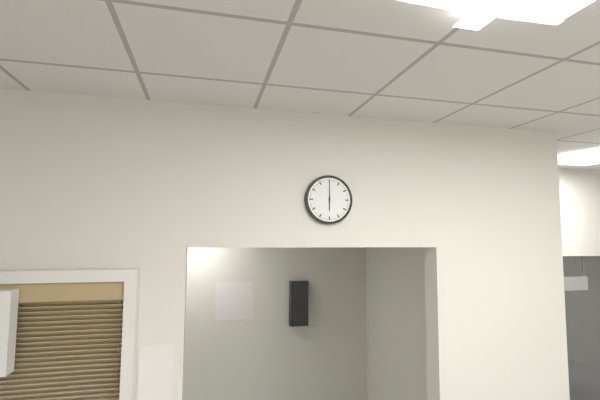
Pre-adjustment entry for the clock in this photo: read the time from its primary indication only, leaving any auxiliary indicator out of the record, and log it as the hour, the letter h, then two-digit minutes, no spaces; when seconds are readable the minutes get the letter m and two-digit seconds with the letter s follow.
6h00
